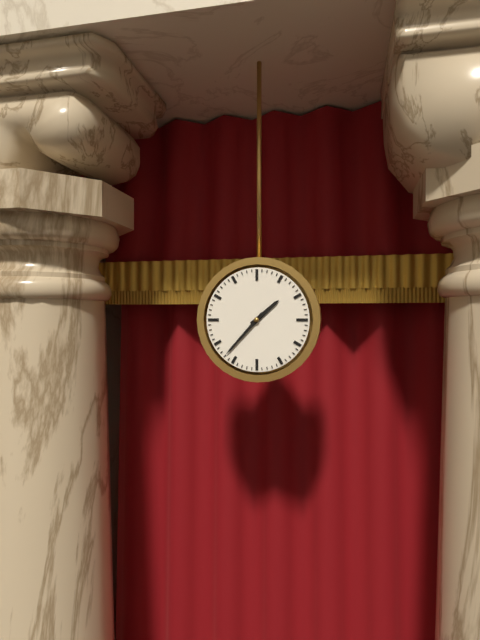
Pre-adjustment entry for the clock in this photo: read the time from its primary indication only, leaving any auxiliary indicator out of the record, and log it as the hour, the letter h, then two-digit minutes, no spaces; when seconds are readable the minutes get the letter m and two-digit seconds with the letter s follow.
1h37
